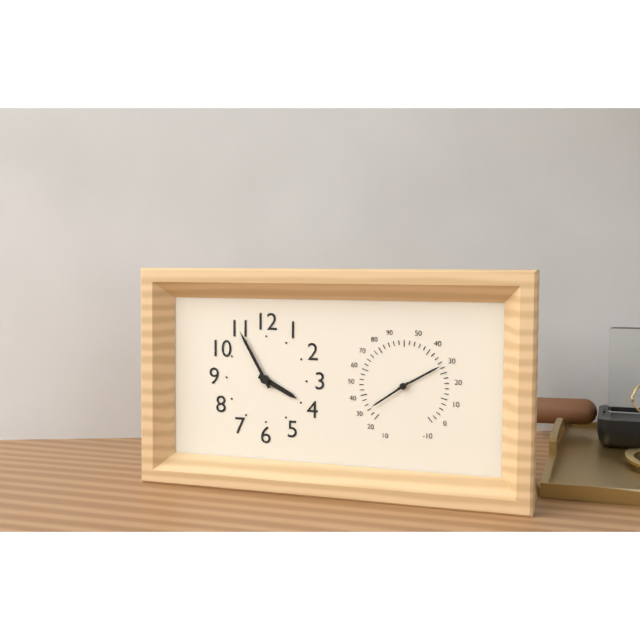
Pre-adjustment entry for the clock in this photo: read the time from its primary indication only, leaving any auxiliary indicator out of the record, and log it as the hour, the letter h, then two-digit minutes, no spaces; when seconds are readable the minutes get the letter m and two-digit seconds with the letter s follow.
3h55
